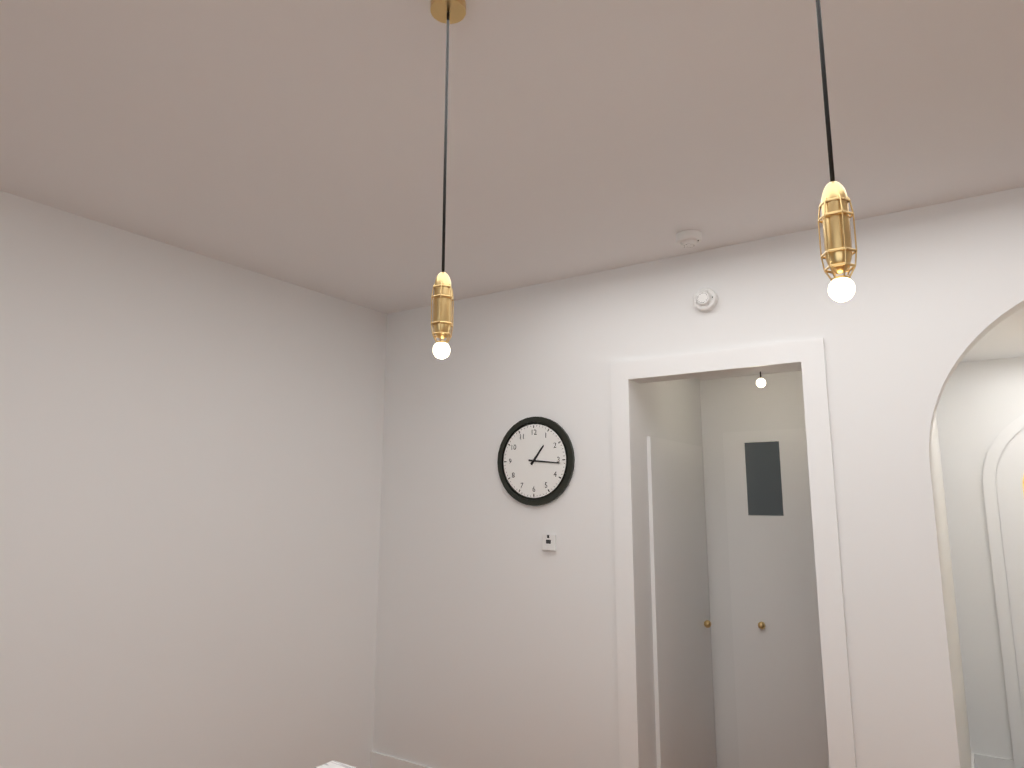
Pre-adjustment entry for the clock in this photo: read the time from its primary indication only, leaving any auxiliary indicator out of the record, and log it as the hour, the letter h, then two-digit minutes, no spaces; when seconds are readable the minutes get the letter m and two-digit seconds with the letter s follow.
1h16
